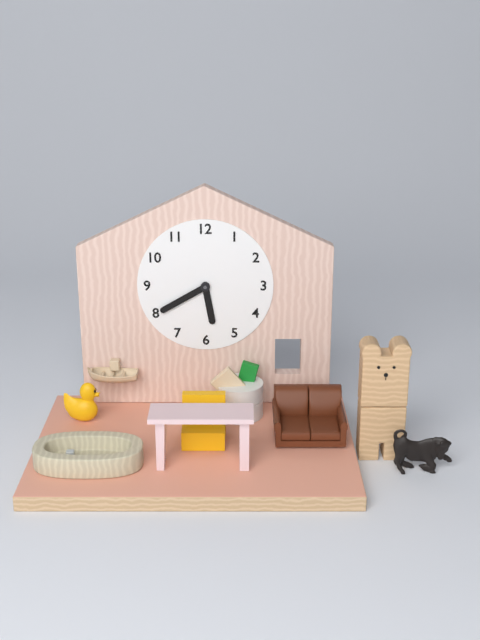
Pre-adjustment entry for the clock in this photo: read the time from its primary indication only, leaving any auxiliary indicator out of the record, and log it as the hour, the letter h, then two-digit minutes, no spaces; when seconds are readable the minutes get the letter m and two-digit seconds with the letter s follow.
5h40
